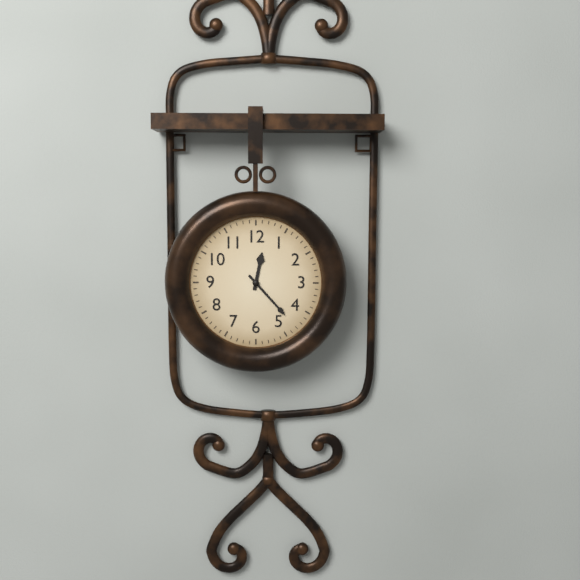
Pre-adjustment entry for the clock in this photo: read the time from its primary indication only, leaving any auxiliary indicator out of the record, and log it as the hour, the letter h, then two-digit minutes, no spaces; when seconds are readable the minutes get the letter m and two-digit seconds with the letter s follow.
12h23
